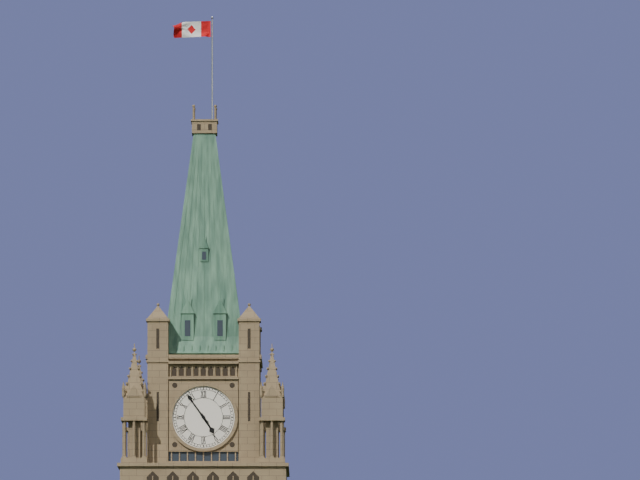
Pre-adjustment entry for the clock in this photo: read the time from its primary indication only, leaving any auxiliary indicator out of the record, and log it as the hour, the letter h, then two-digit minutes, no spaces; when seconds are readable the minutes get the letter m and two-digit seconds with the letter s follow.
4h54
